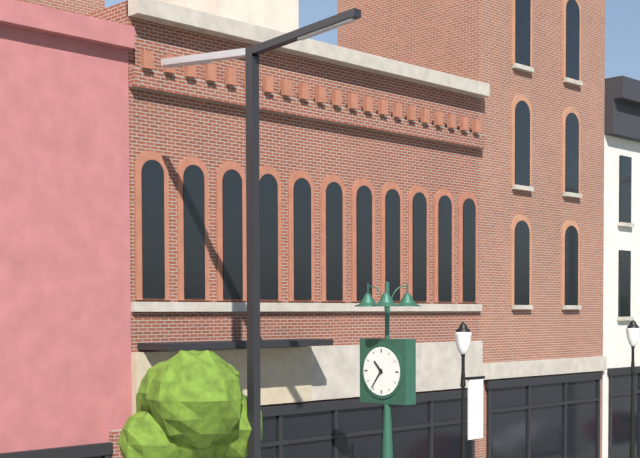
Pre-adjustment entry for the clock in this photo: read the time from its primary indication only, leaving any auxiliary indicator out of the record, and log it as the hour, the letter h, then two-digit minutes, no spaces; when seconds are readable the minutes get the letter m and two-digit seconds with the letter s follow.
10h36
